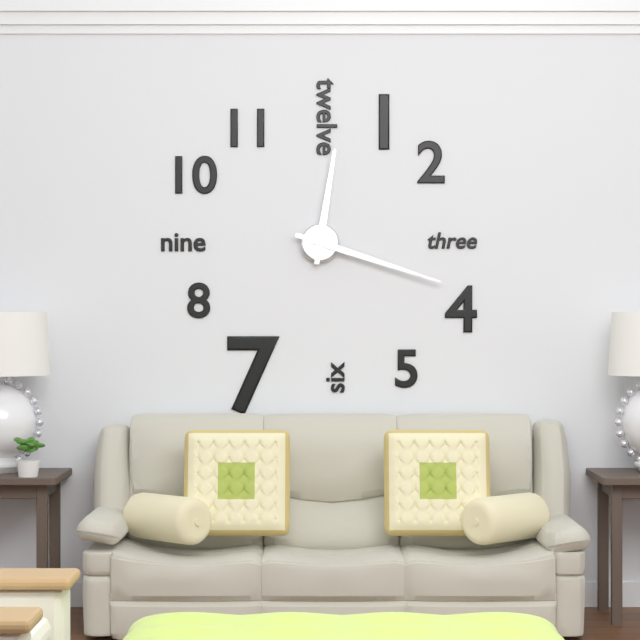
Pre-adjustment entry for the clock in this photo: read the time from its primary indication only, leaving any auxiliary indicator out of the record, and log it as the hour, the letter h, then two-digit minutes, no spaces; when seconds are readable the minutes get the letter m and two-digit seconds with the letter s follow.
12h18
